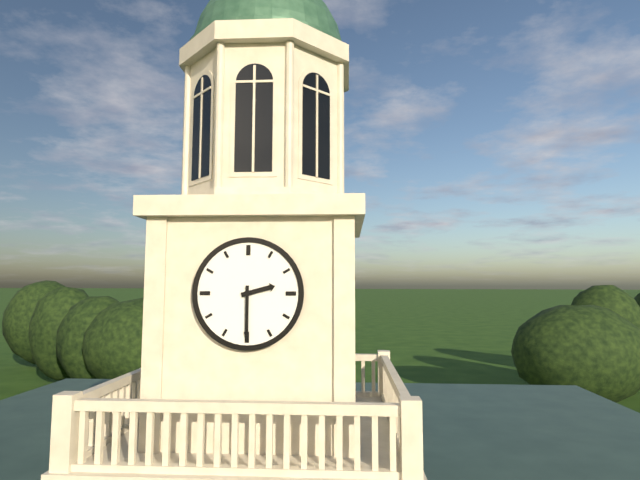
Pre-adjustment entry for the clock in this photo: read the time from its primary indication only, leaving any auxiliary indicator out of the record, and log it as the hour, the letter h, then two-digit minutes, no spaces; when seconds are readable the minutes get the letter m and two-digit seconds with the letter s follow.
2h30
